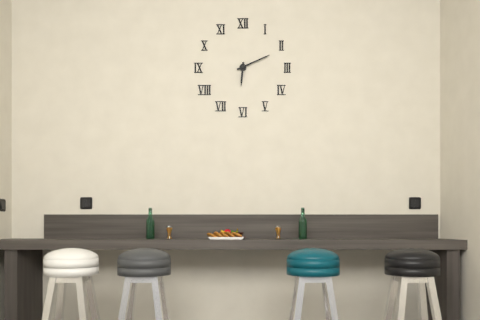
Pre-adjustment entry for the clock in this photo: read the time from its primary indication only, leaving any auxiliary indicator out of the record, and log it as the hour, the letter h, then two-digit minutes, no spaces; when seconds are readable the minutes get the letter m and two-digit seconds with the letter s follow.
6h11
